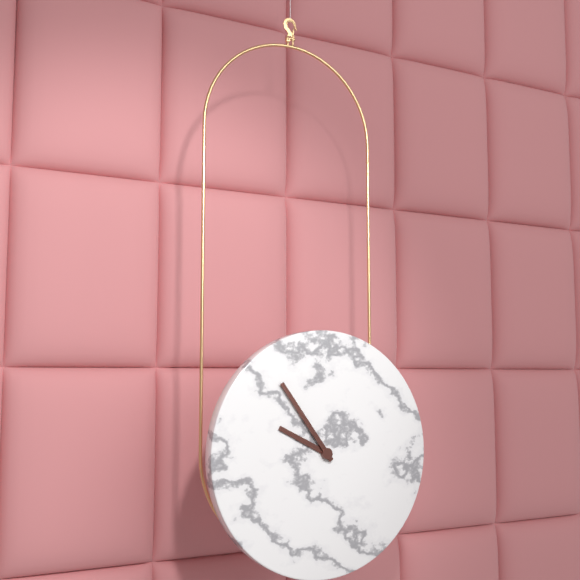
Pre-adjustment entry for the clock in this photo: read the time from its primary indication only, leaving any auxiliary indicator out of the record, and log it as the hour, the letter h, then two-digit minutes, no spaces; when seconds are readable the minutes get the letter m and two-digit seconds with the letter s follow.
9h54
